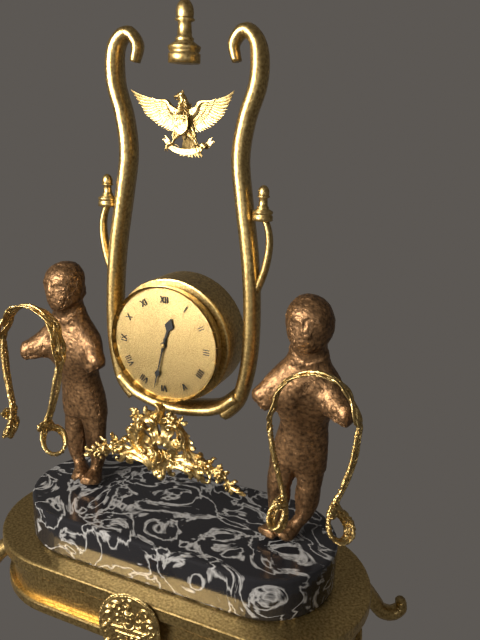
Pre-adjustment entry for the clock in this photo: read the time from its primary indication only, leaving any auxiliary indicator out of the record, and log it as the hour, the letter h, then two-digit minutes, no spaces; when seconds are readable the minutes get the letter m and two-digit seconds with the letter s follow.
12h32
